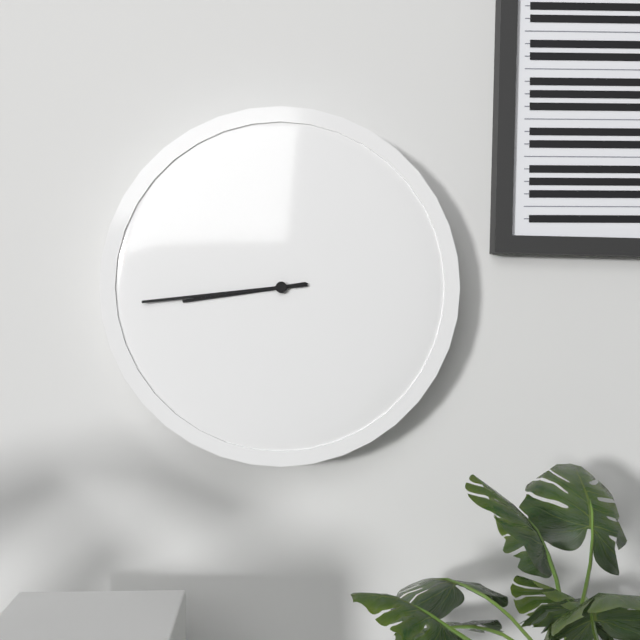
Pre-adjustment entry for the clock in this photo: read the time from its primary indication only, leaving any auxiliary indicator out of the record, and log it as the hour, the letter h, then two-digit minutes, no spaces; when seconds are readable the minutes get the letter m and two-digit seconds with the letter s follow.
8h44
